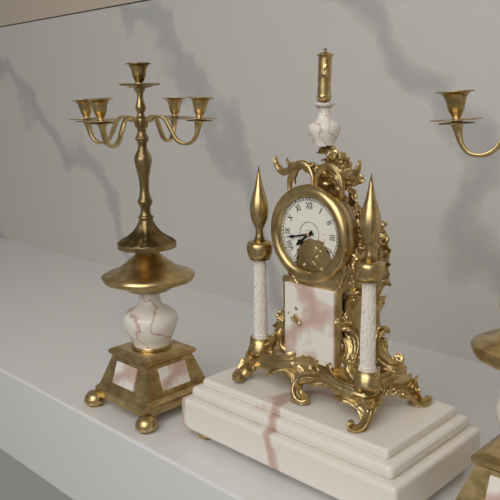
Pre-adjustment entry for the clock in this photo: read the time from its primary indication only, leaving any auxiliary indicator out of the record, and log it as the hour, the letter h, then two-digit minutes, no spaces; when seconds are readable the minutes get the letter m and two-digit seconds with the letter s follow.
7h43
